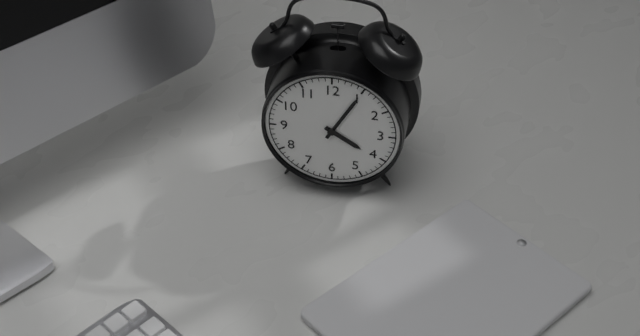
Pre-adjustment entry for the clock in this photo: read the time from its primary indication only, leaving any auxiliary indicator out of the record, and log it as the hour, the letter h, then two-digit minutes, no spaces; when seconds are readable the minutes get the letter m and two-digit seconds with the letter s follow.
4h05
